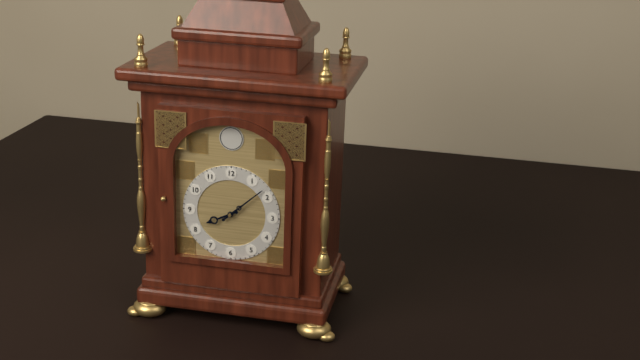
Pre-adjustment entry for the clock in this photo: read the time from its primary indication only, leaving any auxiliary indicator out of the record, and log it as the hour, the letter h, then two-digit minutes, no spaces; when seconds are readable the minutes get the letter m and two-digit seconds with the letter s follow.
8h08
